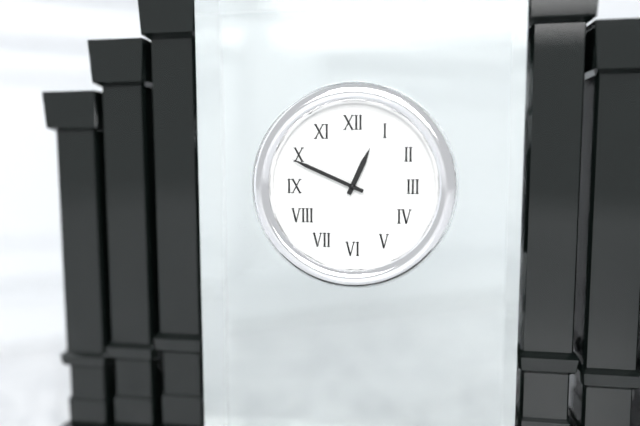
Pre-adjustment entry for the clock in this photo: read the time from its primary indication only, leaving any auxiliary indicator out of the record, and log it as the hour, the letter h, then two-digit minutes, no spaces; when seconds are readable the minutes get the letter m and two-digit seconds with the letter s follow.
12h49
